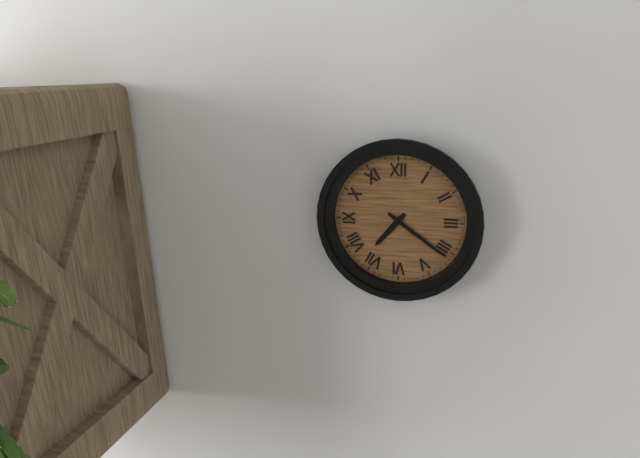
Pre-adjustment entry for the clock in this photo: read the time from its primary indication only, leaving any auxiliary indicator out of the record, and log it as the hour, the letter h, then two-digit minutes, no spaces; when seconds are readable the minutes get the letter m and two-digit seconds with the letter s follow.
7h21
